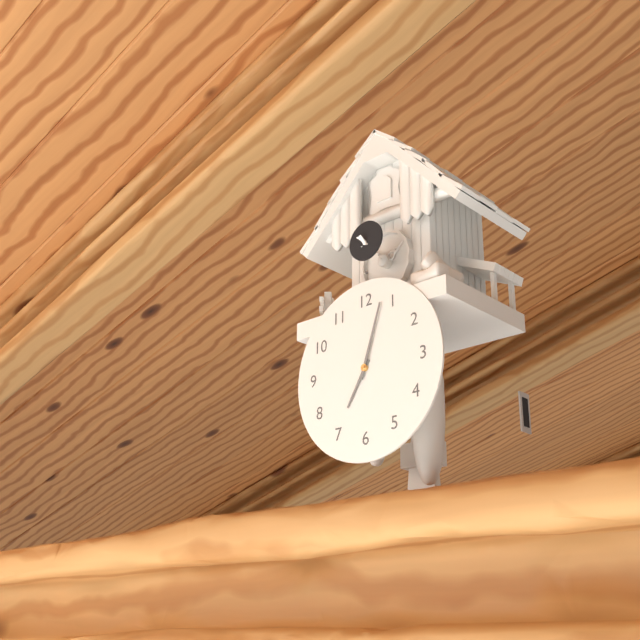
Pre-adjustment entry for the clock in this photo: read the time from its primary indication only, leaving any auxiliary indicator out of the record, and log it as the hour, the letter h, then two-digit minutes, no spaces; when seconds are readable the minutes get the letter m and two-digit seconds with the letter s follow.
7h03
